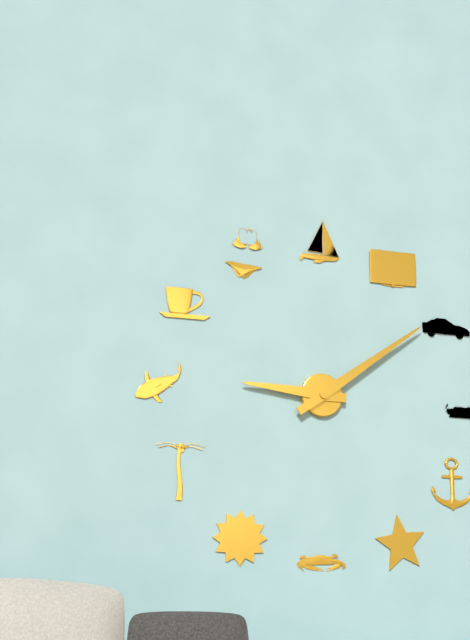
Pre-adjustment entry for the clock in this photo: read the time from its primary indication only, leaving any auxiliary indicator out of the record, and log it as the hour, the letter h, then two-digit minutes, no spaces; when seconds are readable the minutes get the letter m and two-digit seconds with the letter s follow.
9h09
